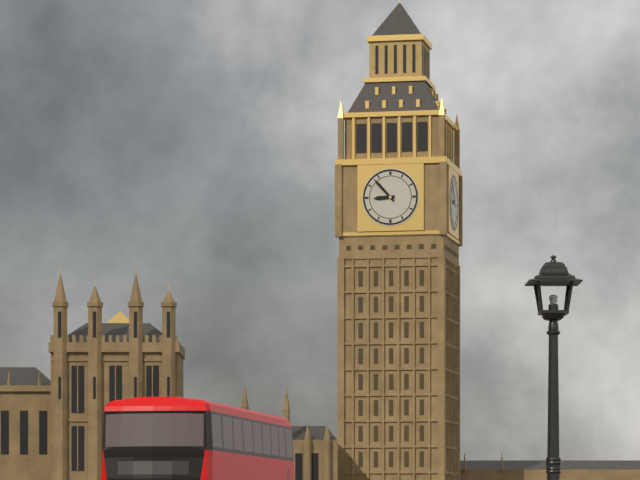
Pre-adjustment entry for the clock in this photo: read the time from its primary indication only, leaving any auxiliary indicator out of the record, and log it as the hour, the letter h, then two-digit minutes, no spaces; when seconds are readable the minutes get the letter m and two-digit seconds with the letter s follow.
8h53
